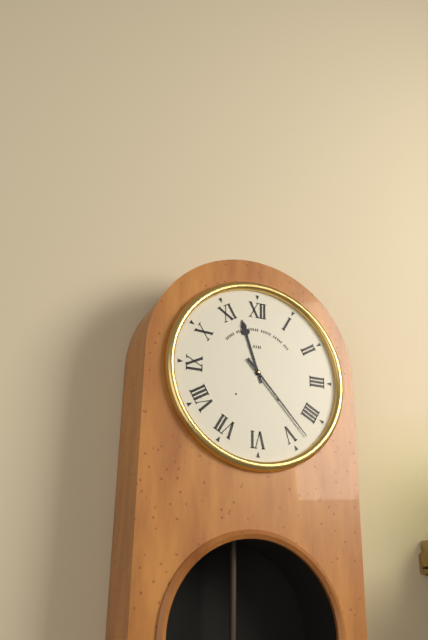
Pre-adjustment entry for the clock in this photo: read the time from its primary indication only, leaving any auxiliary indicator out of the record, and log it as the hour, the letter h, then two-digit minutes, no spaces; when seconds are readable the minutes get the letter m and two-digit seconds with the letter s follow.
11h23
